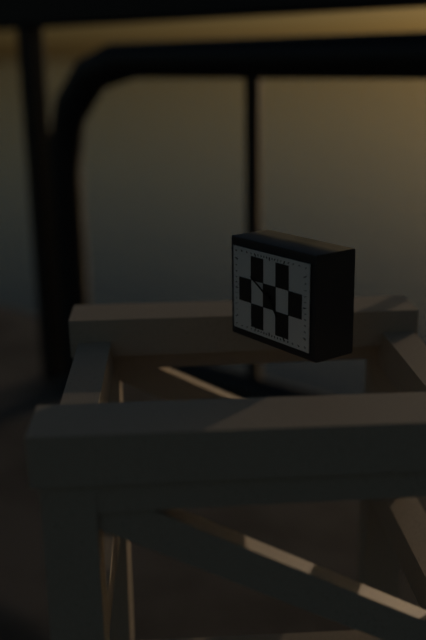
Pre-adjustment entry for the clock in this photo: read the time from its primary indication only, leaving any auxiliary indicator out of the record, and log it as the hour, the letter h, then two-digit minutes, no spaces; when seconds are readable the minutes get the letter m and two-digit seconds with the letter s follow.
4h50
